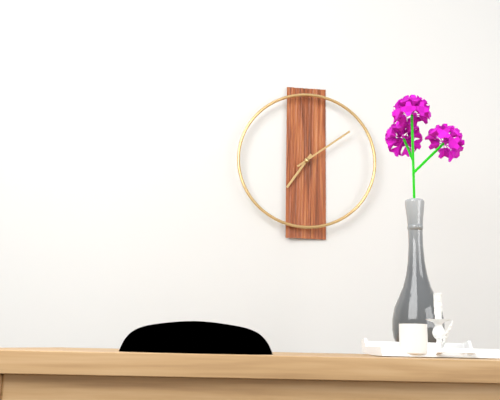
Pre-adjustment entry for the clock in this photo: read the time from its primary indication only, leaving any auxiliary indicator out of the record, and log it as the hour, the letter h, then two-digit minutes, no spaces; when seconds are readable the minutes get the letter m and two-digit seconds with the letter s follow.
7h09
